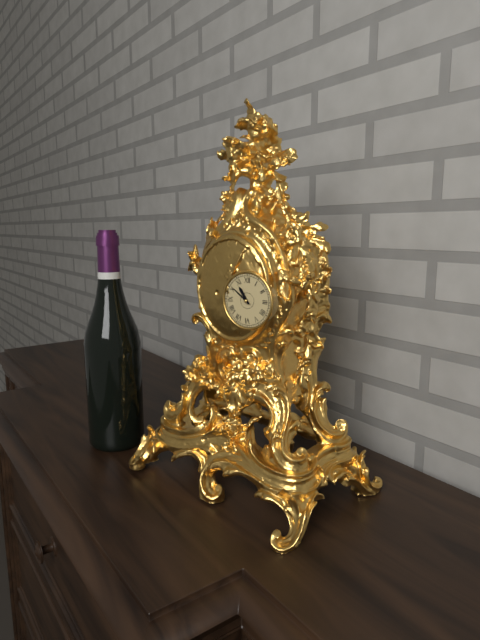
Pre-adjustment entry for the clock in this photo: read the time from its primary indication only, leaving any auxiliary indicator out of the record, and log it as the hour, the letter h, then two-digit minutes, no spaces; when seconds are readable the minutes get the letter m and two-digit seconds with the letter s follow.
10h51
